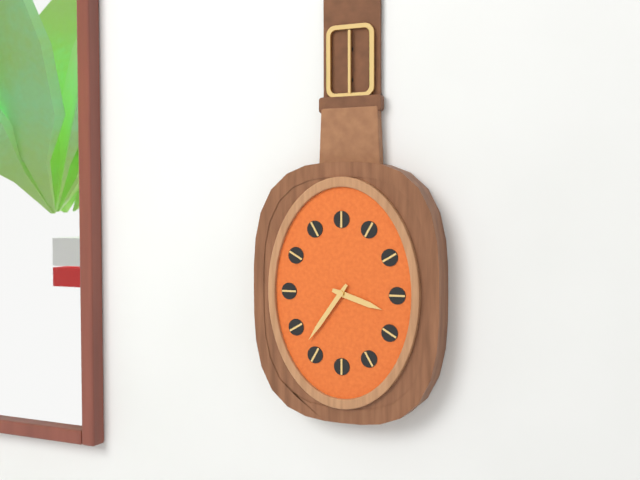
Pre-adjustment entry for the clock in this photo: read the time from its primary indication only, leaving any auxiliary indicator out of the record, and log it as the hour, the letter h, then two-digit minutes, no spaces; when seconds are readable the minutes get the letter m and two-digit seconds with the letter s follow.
3h36
